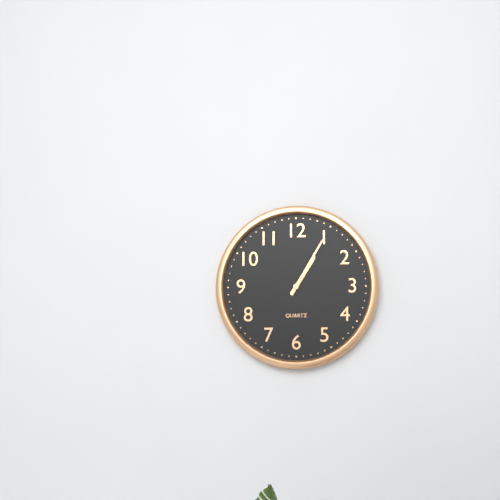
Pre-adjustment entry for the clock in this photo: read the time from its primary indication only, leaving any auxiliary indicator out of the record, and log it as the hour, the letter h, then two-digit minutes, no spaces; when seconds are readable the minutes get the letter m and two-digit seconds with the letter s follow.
1h05
